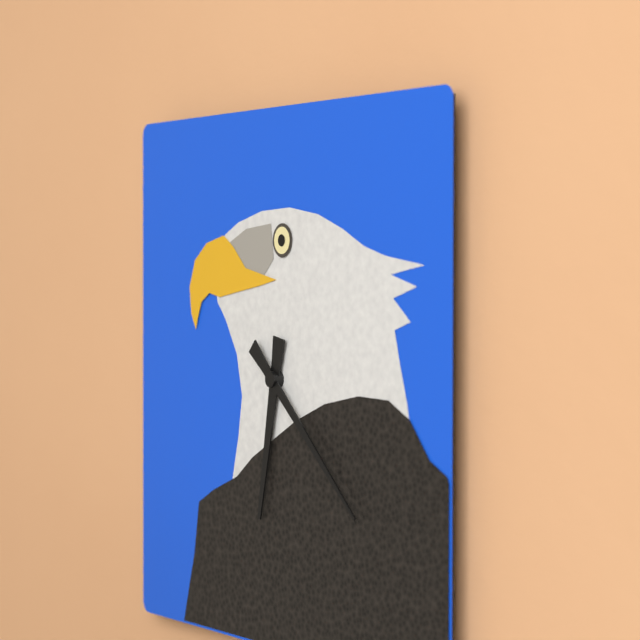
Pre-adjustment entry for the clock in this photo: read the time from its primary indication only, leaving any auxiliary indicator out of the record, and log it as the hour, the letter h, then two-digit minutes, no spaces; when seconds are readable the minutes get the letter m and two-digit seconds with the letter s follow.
6h22
